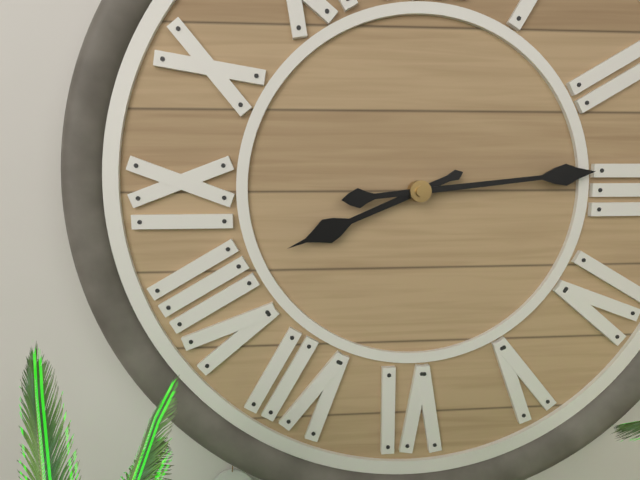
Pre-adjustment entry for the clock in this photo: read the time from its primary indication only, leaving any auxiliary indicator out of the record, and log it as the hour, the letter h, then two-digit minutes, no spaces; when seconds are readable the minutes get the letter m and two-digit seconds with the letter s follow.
8h14
